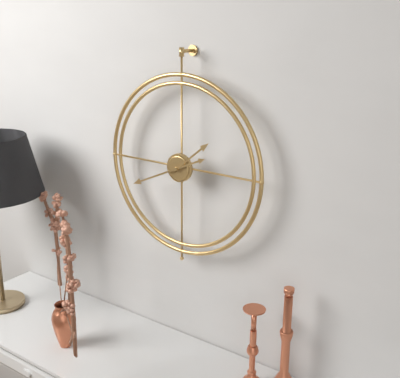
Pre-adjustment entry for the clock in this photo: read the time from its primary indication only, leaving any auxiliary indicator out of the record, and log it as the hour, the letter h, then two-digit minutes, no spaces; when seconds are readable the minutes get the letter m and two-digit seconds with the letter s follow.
1h41
